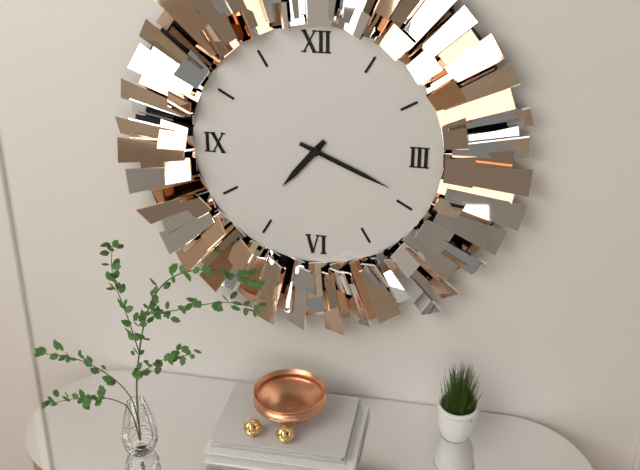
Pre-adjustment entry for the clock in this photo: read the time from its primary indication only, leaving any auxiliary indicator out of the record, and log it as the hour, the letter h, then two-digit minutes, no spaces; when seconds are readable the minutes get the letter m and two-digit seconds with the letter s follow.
7h19
